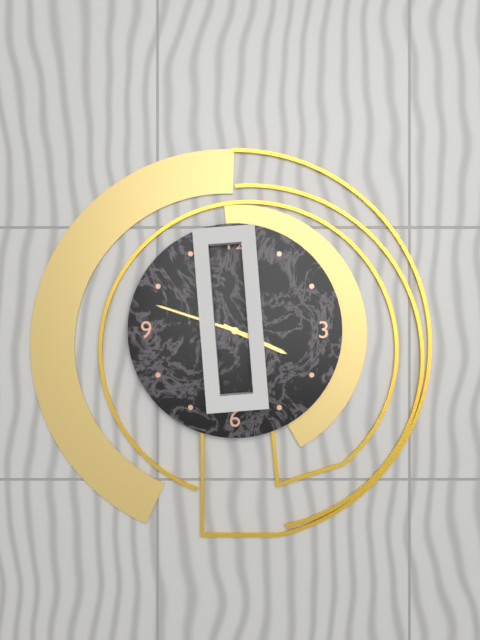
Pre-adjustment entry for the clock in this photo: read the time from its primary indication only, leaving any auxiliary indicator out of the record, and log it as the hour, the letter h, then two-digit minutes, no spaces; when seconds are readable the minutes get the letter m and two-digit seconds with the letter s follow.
3h48
